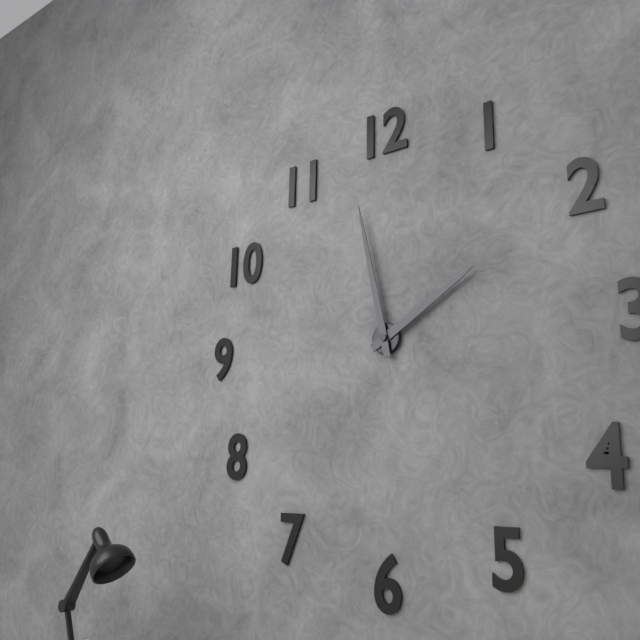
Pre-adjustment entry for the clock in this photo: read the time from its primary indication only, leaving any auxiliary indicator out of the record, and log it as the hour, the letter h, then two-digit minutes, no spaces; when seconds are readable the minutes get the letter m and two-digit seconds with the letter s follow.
1h58
